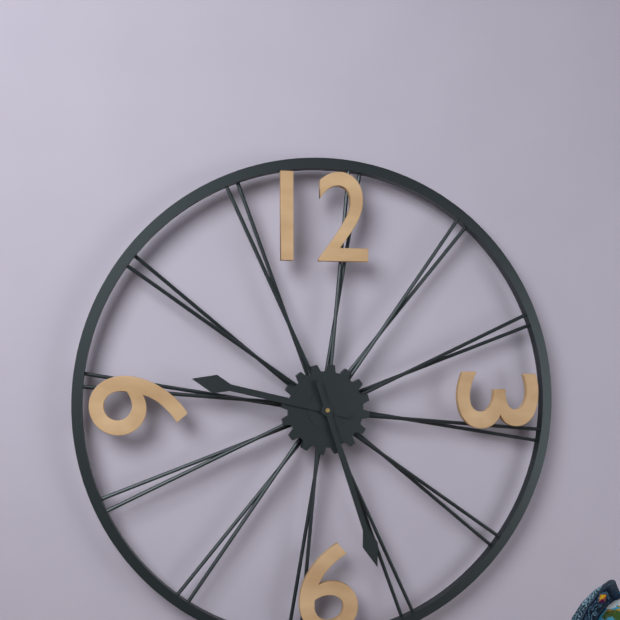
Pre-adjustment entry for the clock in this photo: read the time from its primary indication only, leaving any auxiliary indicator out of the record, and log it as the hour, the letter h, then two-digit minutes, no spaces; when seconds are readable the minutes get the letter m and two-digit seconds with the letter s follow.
9h27
